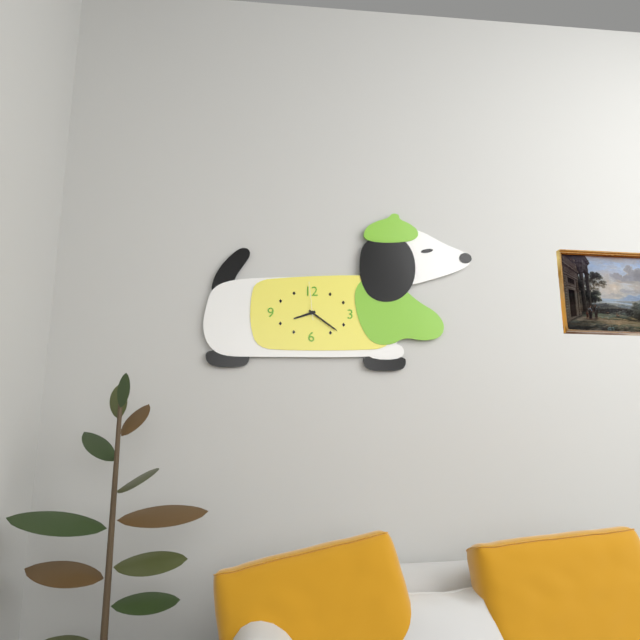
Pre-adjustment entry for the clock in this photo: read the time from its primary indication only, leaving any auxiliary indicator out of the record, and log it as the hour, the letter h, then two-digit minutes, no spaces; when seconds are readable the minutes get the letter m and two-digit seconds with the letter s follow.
8h21
